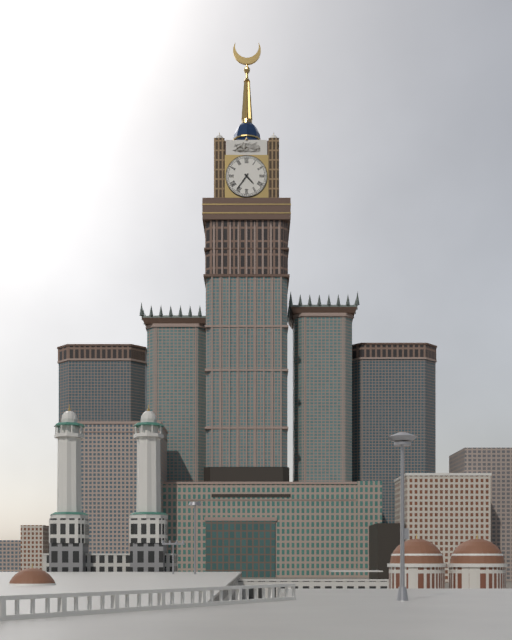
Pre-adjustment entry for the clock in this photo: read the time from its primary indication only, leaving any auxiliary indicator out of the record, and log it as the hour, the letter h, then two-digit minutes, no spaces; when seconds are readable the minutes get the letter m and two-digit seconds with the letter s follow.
4h36
